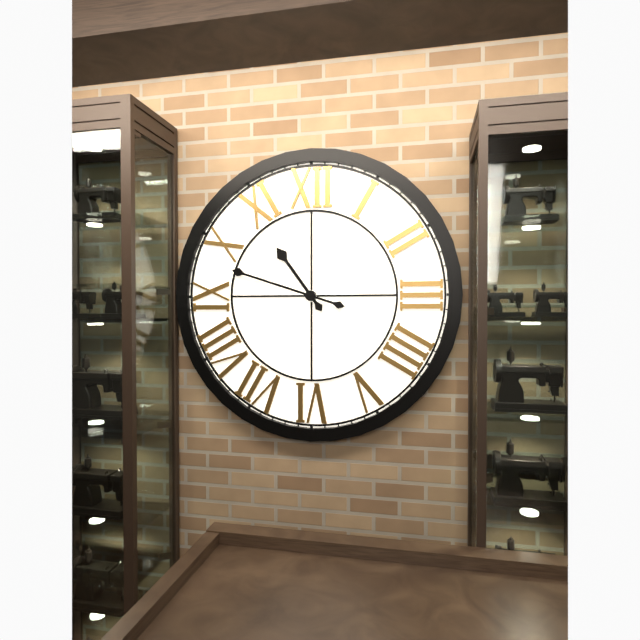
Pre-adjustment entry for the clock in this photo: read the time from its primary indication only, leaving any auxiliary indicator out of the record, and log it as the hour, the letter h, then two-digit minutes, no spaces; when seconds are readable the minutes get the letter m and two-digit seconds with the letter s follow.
10h48
